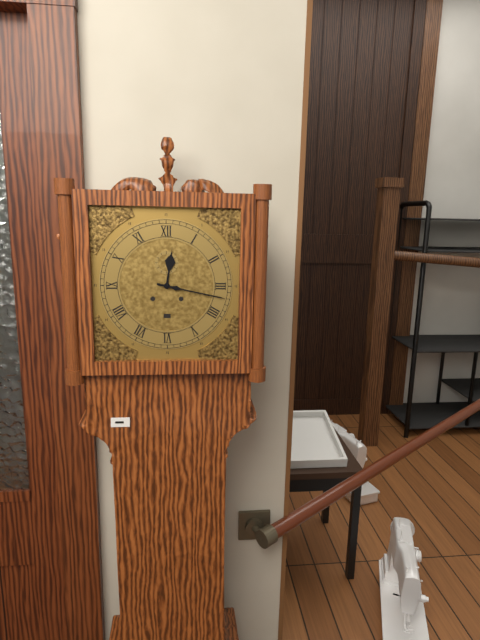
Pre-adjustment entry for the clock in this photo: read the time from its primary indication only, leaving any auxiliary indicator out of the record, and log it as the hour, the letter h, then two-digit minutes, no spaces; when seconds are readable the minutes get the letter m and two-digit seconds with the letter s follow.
12h17
